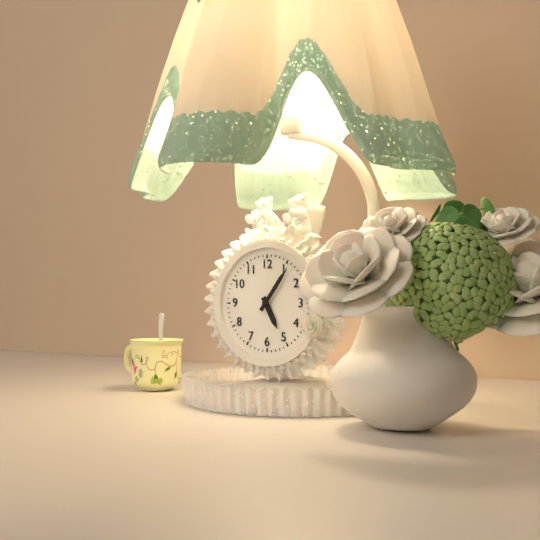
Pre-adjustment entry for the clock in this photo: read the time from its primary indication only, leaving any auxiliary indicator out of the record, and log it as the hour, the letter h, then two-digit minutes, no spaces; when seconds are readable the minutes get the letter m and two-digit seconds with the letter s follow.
5h06
